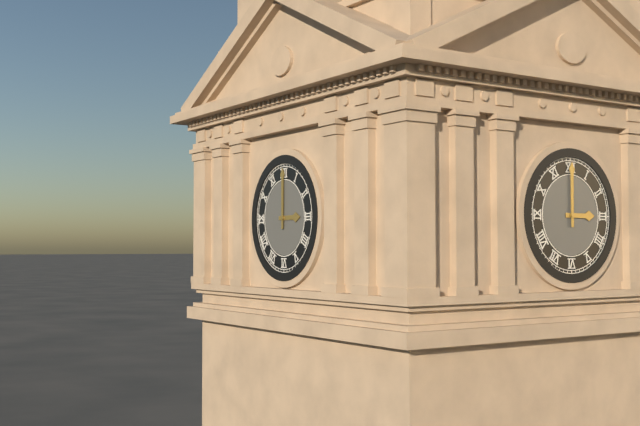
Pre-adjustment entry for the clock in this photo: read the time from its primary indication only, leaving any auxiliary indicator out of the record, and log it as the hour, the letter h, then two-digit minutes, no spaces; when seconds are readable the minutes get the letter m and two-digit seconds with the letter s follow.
3h00
